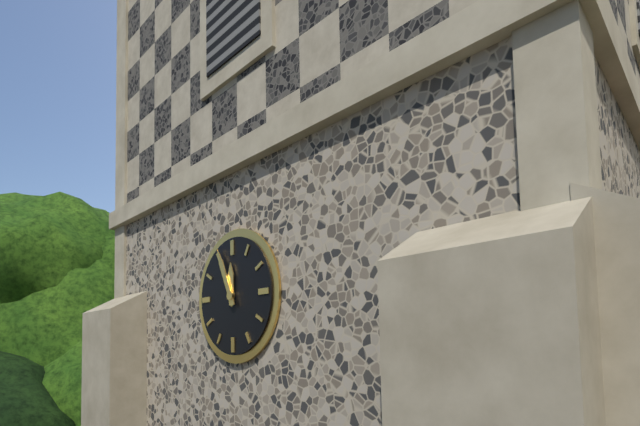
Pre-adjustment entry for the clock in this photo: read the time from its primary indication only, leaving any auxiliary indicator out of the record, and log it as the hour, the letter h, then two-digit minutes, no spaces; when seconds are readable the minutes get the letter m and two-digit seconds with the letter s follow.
11h56
